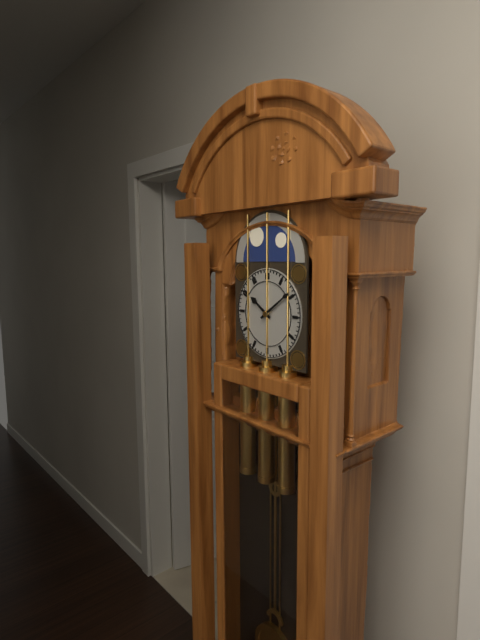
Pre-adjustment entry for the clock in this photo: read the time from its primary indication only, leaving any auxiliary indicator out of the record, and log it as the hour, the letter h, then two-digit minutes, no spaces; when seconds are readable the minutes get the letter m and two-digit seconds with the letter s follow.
10h09
